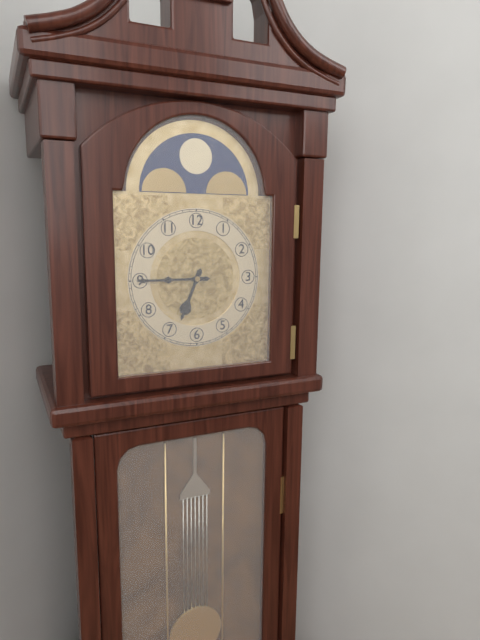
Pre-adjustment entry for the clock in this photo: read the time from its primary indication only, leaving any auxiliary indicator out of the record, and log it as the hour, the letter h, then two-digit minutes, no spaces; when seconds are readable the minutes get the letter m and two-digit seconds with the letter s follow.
6h45
